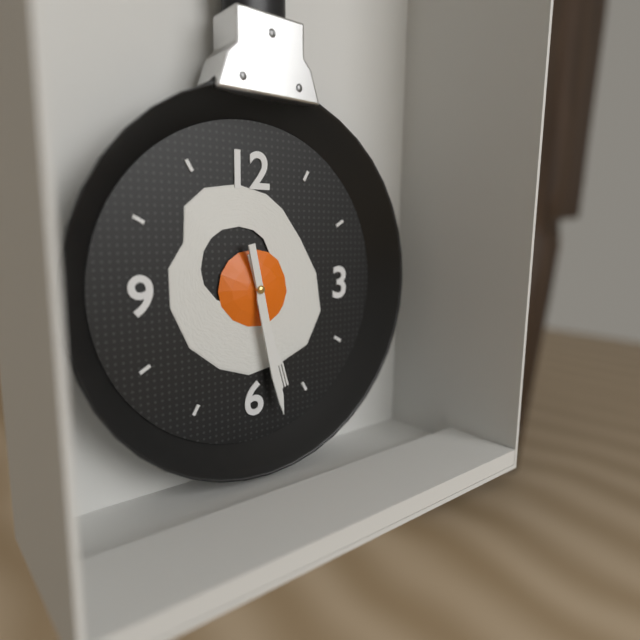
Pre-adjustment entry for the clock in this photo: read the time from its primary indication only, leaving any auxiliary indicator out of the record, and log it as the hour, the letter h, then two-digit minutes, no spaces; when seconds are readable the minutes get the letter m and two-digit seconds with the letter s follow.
5h28
